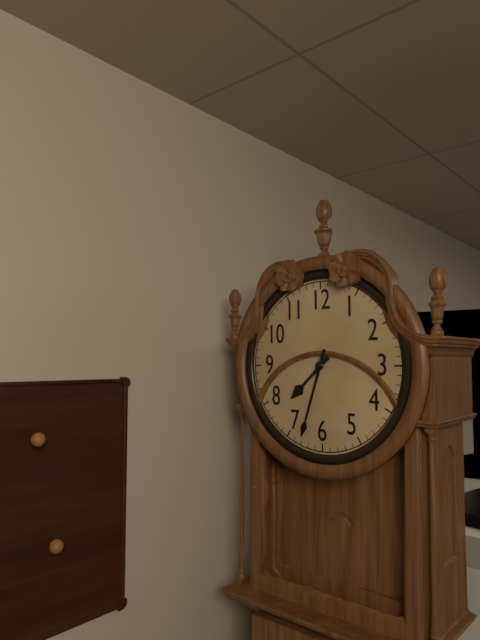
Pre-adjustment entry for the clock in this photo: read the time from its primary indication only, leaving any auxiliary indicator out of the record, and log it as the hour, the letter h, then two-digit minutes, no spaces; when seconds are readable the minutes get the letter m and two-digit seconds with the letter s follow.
7h33
